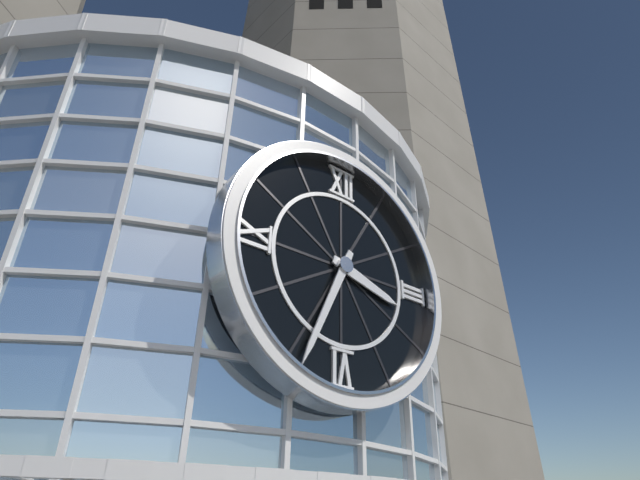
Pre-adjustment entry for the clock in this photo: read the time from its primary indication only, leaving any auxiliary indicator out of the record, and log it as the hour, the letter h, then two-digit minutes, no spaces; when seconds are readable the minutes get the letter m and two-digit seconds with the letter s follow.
3h34
